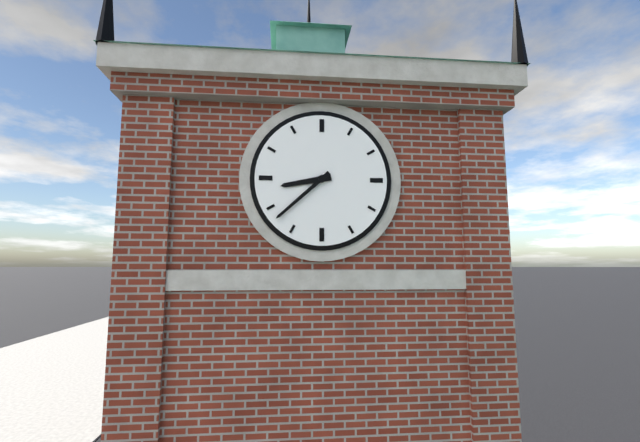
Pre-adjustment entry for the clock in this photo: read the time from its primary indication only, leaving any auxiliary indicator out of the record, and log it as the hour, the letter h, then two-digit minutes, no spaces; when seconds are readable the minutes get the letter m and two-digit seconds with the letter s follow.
8h38
